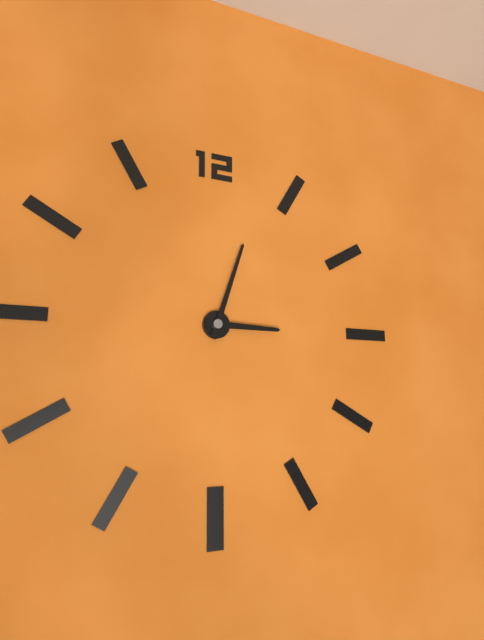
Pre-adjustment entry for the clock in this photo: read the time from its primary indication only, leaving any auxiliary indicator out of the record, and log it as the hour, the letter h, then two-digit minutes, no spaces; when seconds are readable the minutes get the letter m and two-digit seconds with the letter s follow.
3h03
